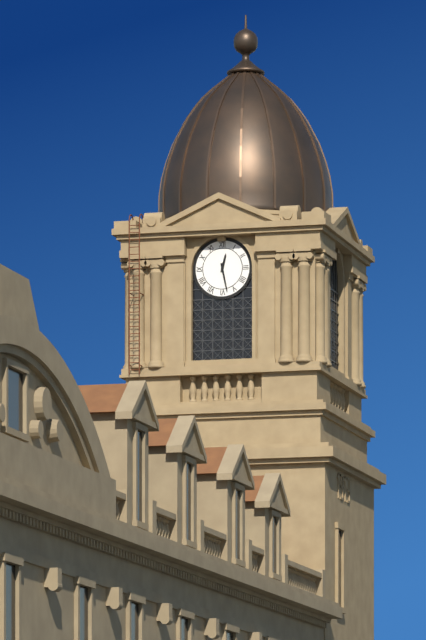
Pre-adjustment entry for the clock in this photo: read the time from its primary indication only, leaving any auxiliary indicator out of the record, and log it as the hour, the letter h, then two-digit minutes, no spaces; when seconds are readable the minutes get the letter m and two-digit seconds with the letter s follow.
12h28
